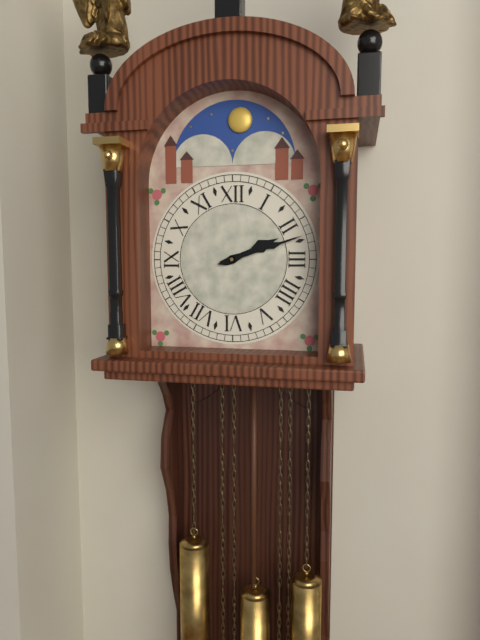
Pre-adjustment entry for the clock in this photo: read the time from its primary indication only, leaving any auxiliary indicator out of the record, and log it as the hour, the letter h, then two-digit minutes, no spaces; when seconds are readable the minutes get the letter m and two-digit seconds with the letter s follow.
2h12
